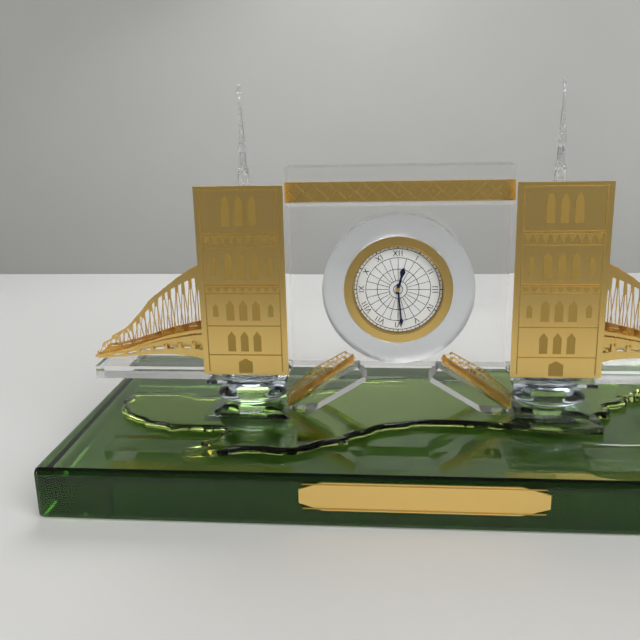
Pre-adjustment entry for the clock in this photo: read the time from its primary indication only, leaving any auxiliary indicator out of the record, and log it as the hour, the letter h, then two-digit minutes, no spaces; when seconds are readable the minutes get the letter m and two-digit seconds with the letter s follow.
12h29
